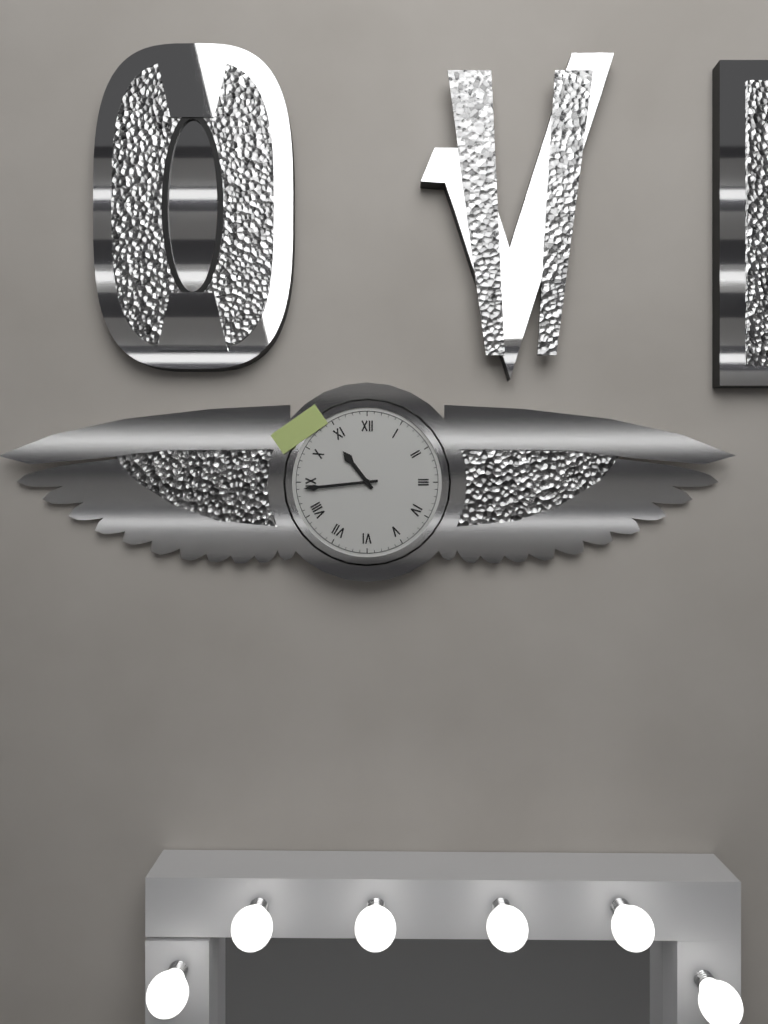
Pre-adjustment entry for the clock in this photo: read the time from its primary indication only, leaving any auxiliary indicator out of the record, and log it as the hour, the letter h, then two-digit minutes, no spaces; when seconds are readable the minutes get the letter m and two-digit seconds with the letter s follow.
10h44
